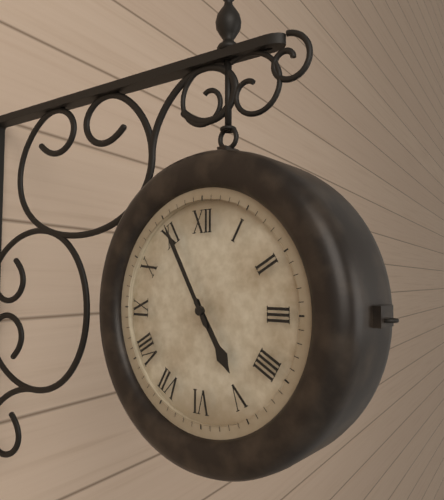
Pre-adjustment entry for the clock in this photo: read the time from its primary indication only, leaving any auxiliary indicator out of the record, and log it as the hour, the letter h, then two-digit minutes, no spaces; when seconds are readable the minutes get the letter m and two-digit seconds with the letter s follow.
4h55
